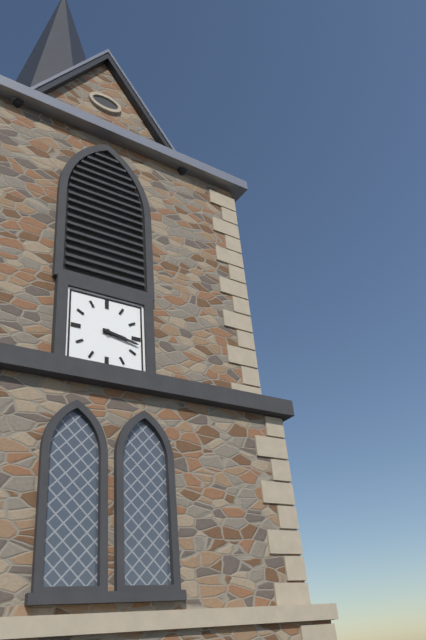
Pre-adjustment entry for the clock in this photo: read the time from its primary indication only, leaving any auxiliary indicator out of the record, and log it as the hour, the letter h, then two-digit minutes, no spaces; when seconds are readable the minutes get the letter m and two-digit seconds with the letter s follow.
3h17
